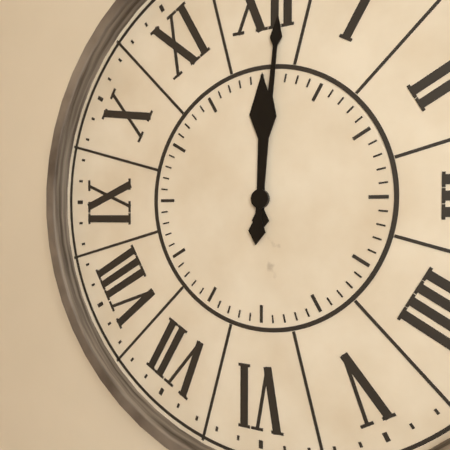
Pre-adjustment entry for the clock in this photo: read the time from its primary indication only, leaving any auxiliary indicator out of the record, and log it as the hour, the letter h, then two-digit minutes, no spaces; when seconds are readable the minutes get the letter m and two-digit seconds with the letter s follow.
12h01
